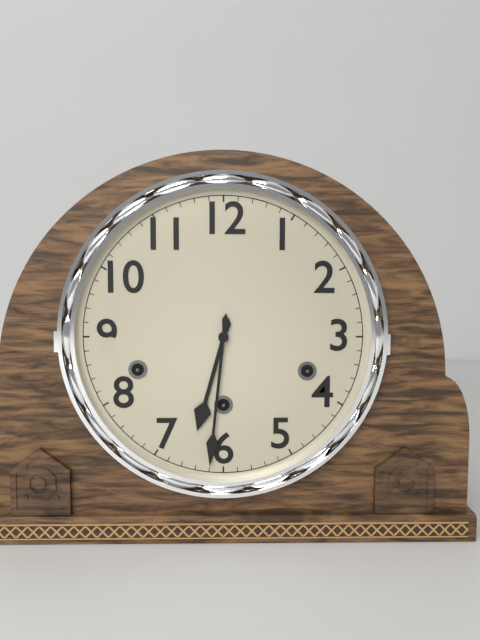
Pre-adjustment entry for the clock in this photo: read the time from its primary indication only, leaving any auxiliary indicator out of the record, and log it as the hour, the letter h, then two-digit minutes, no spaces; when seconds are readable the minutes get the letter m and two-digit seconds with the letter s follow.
6h31
